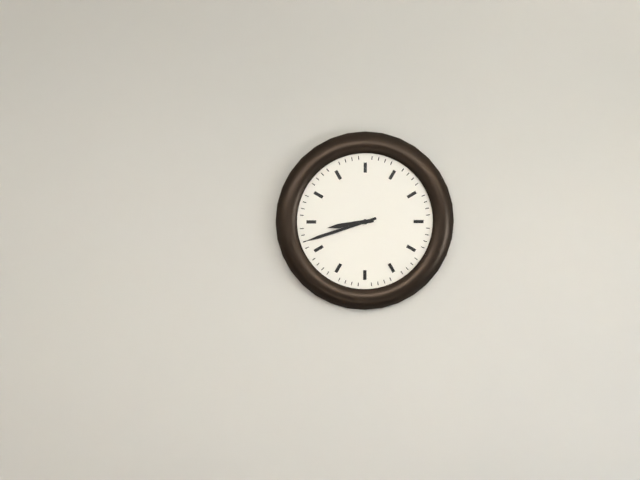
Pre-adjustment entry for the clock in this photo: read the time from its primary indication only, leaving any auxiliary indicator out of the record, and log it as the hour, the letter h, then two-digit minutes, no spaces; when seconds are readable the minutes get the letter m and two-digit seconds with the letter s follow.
8h42
